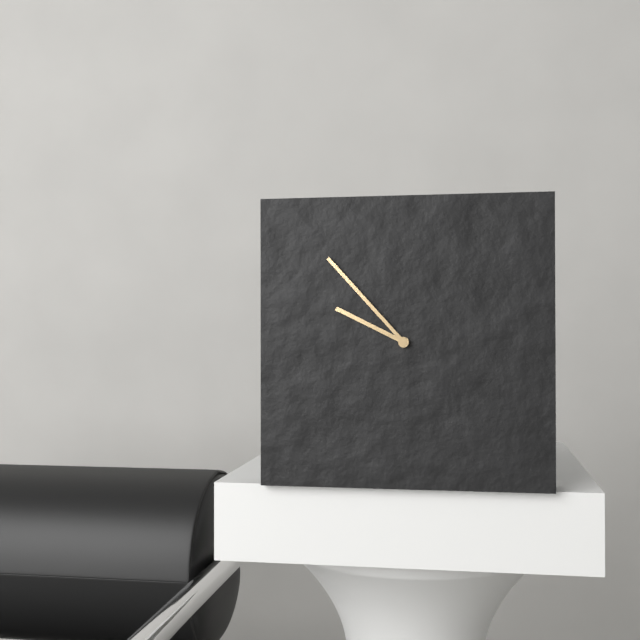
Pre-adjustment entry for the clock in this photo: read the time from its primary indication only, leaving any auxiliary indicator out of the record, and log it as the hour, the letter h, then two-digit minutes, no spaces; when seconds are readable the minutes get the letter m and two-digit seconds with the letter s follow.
9h53
